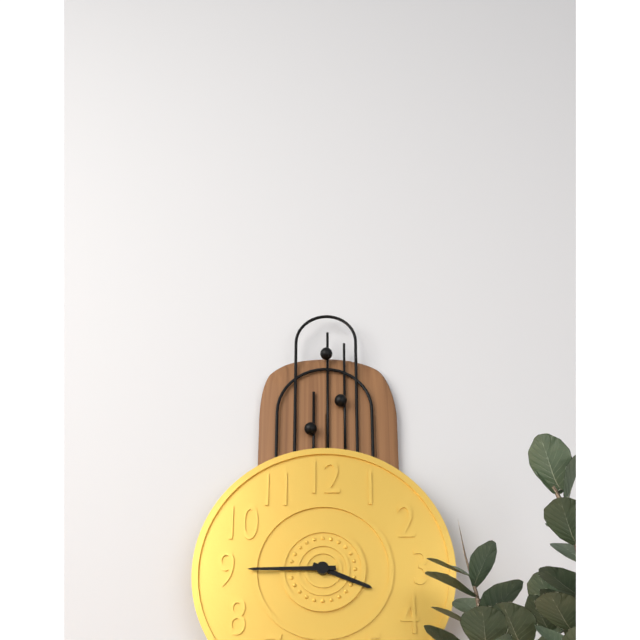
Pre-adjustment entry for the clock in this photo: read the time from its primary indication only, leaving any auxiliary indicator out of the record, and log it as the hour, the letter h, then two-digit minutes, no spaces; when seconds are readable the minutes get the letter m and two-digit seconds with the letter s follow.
3h45
